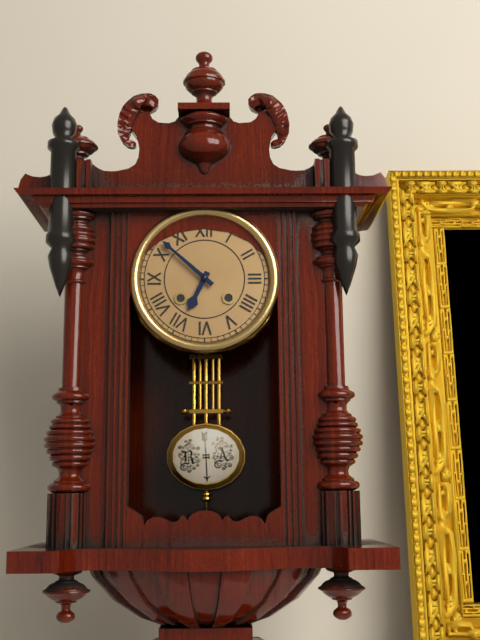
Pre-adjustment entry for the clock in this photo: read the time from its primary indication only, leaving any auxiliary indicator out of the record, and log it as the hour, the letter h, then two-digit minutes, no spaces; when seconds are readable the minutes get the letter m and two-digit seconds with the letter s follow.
6h52
